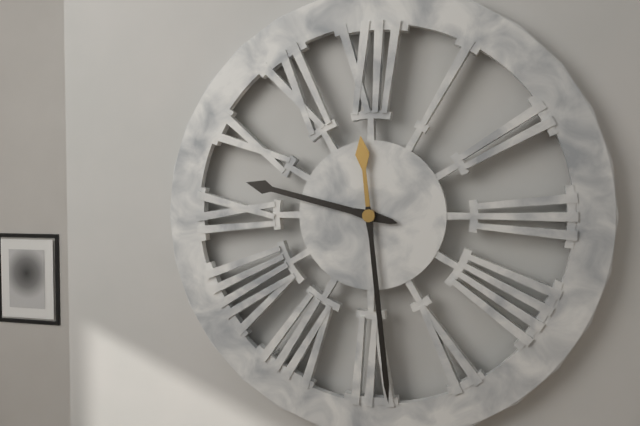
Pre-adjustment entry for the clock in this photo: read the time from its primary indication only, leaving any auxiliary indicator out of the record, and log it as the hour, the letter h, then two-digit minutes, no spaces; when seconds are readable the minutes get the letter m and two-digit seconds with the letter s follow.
9h29
